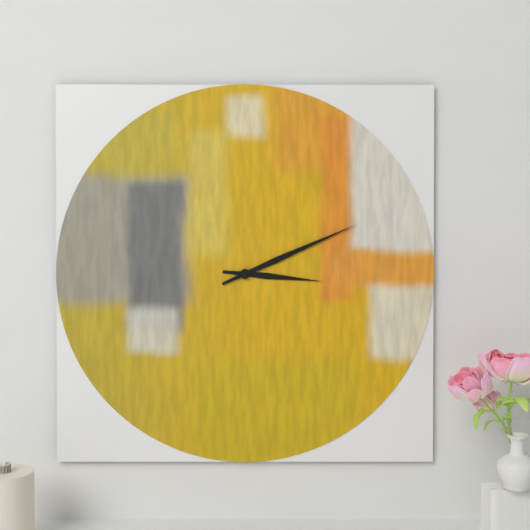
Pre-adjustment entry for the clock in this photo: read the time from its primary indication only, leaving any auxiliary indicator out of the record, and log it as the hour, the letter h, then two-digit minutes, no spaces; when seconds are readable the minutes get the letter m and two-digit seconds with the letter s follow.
3h11
